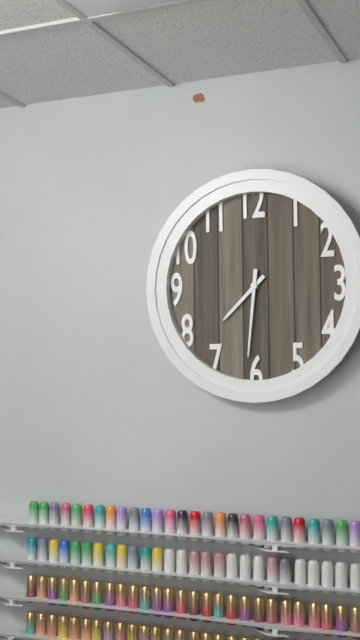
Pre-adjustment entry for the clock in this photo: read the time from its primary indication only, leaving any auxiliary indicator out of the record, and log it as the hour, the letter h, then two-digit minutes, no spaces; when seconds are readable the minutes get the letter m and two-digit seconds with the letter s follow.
7h31
